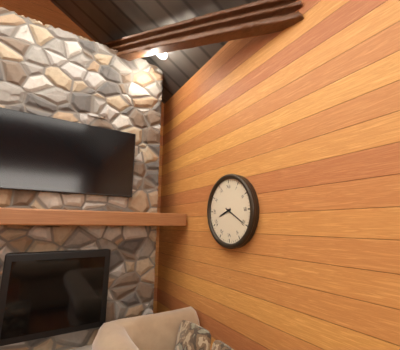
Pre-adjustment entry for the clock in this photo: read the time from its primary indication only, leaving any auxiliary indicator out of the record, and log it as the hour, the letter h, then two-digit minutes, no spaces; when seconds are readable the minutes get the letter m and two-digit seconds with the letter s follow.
8h20
